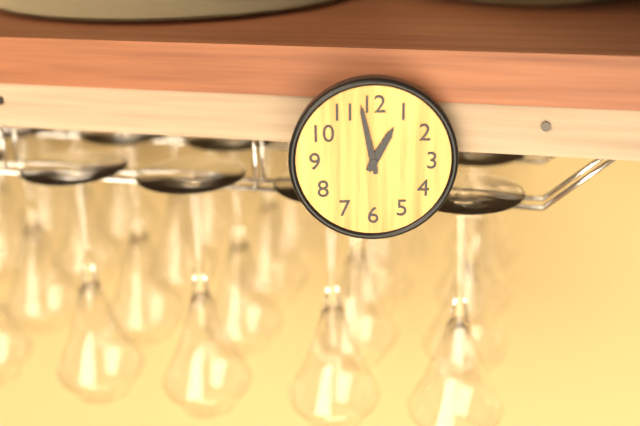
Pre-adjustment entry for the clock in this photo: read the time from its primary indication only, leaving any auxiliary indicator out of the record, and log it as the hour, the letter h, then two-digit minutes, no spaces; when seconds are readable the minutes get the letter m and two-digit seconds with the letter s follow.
12h58
